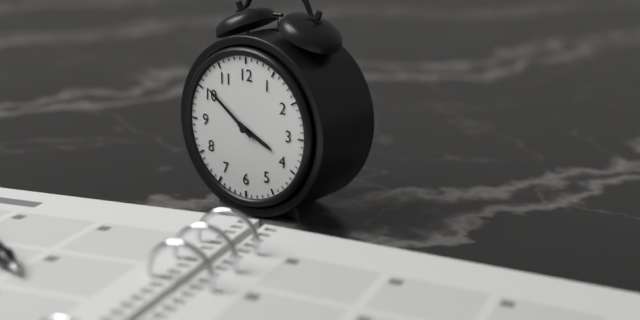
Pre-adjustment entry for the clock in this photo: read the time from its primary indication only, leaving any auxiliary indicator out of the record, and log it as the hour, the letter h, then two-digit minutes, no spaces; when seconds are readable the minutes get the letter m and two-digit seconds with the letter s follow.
3h51
